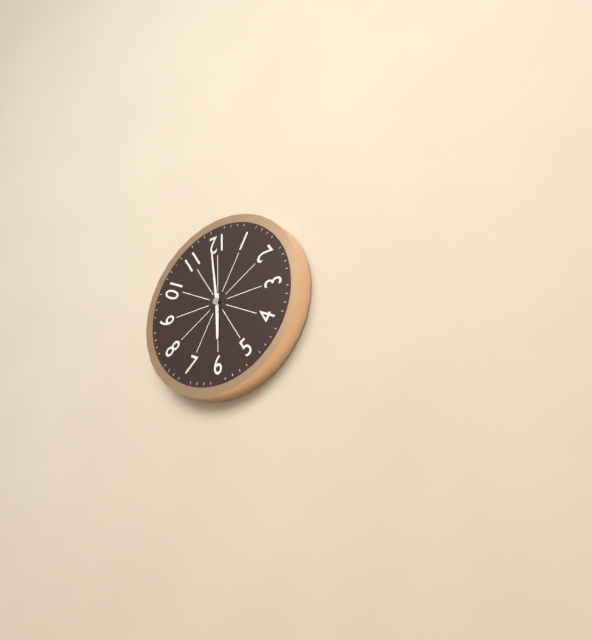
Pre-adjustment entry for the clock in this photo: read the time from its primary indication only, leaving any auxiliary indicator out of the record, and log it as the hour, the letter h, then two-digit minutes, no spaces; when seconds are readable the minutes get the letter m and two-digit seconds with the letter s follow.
5h59
